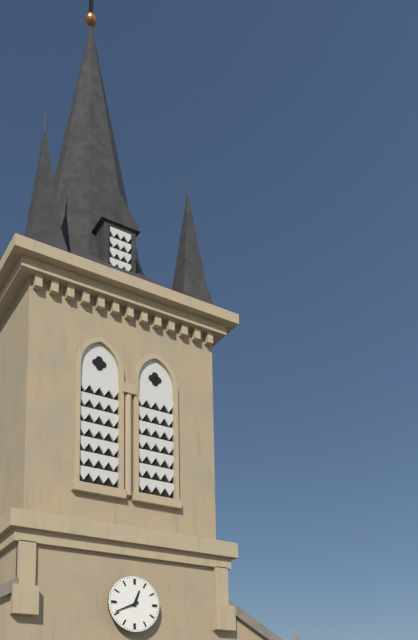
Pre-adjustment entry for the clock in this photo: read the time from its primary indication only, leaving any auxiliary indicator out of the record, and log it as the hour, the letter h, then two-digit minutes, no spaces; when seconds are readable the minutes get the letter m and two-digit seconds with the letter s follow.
12h41
